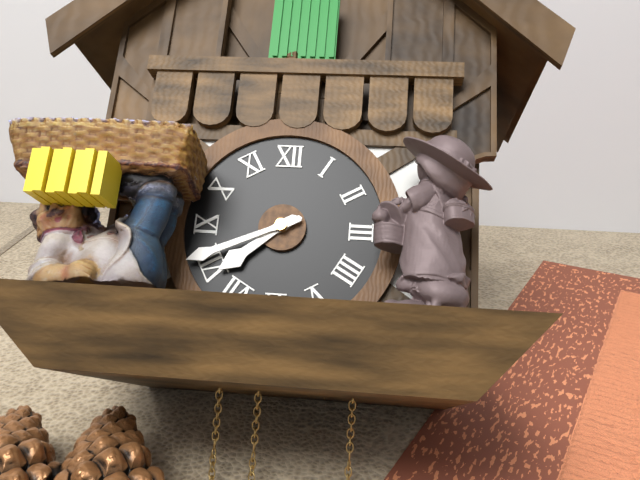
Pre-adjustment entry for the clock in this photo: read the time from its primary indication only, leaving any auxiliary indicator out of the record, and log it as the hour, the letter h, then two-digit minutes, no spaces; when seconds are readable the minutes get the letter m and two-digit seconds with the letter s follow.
7h41
